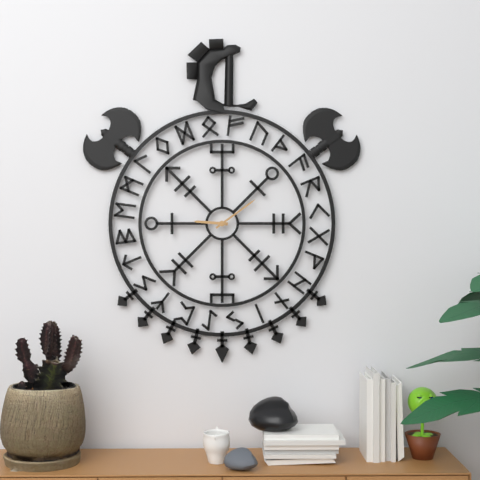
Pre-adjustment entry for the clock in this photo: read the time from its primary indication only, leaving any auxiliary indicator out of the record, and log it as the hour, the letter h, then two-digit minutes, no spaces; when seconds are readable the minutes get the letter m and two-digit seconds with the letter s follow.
9h09
